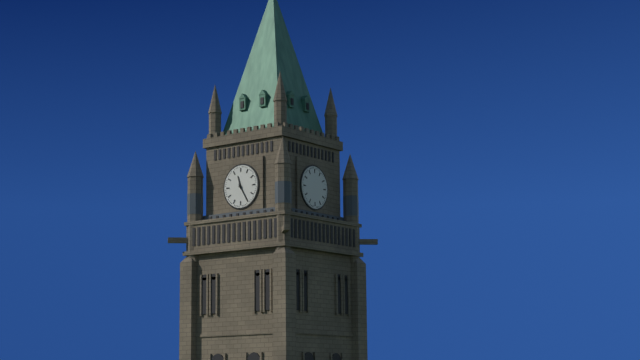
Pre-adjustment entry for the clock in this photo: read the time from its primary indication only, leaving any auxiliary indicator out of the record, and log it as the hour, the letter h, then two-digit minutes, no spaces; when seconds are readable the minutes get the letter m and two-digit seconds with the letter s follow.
11h25
